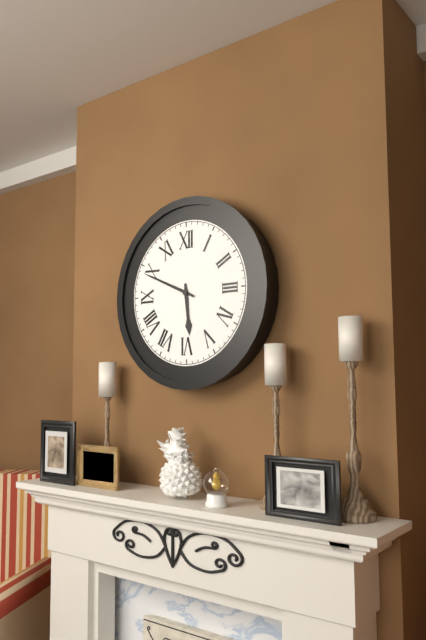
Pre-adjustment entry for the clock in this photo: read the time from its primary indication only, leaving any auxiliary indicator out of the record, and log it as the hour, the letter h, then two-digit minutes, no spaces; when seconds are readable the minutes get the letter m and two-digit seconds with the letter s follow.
5h49
